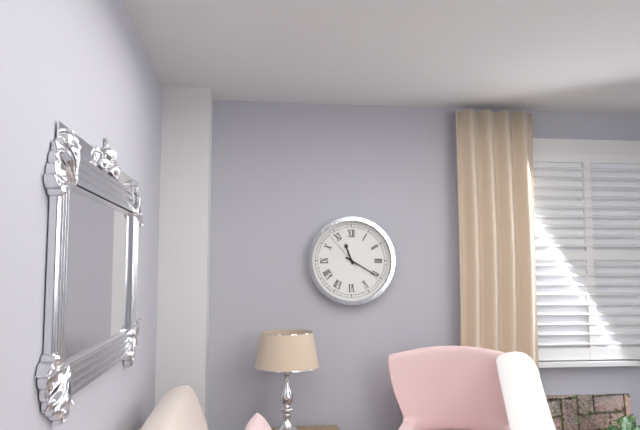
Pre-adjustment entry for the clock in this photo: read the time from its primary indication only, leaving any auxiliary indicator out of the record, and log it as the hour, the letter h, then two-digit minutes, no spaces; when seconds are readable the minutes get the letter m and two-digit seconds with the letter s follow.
11h20
